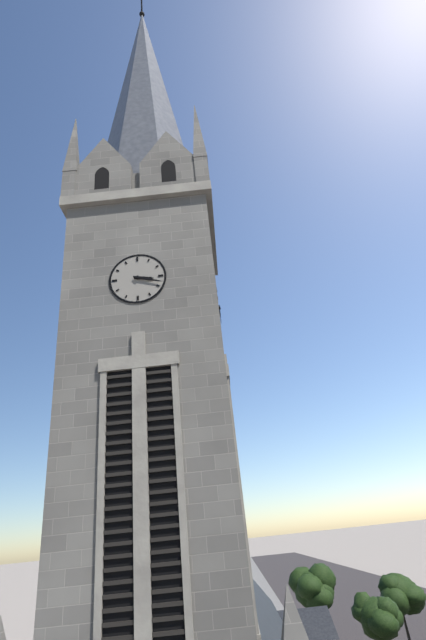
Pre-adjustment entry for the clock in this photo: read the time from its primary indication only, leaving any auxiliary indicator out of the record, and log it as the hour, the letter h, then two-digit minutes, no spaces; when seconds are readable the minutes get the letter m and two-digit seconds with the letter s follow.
3h18
